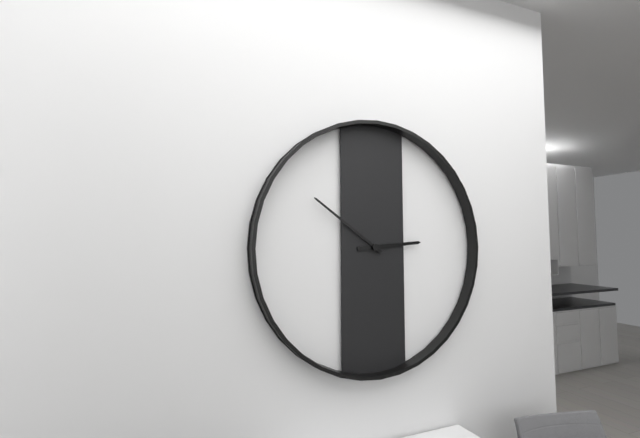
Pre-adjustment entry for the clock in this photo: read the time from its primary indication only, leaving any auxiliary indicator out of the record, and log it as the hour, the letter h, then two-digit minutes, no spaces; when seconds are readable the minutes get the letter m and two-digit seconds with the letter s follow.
2h51
